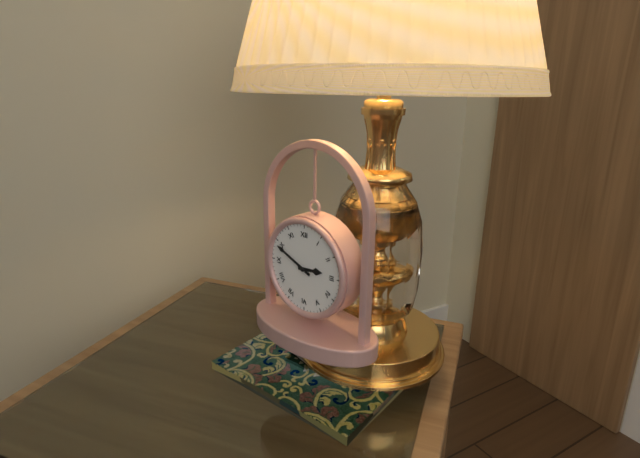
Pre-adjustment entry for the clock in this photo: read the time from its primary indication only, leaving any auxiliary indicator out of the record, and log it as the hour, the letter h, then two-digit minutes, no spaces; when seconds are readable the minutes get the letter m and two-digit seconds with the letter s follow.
2h49
